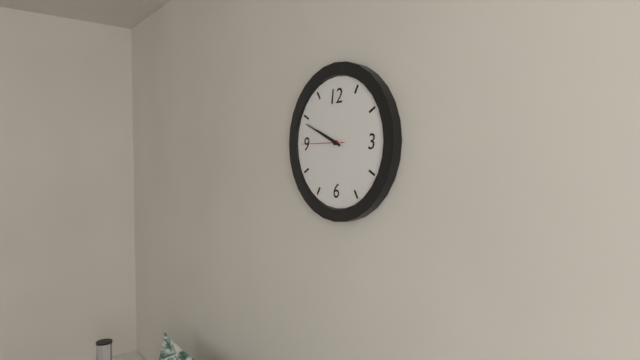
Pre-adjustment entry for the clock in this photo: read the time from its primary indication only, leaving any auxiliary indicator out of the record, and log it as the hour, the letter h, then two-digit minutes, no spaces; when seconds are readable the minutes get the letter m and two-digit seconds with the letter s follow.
9h49
